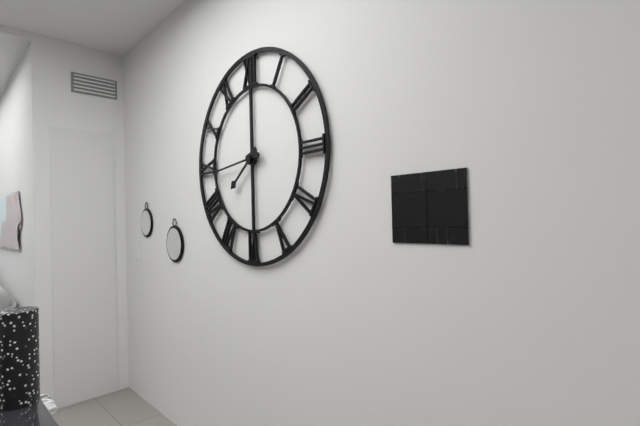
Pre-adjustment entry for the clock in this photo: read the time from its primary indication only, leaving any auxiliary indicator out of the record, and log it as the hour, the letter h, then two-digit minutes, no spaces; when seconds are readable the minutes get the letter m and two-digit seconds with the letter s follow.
7h44
